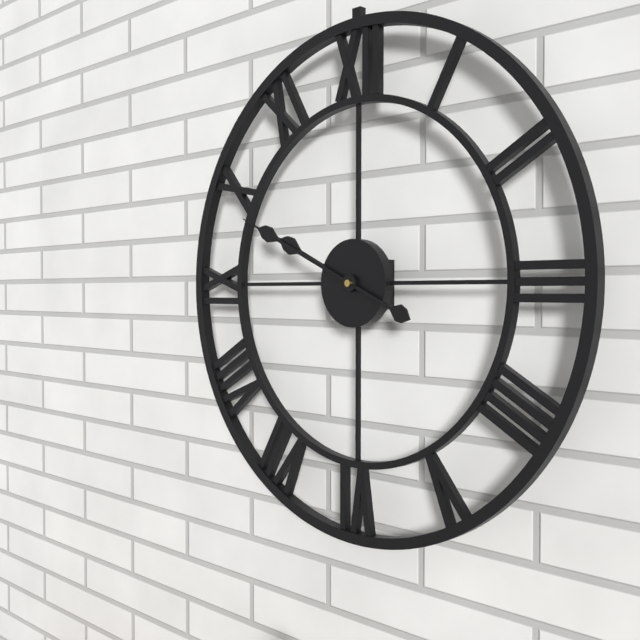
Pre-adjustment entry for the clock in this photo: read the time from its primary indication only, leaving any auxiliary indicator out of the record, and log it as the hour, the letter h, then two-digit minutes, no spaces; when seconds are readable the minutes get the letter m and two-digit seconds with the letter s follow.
9h49
